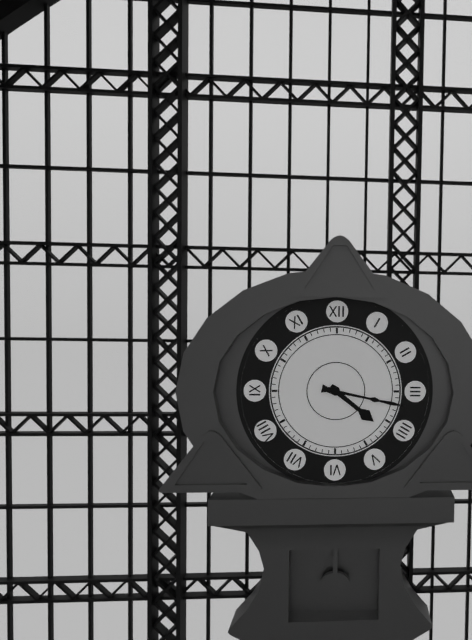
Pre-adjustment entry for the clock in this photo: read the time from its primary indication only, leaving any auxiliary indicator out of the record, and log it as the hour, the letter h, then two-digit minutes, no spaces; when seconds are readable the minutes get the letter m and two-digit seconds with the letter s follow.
4h17
